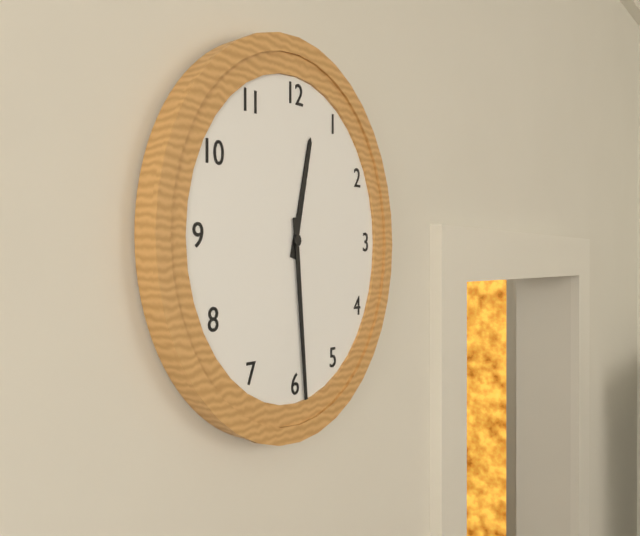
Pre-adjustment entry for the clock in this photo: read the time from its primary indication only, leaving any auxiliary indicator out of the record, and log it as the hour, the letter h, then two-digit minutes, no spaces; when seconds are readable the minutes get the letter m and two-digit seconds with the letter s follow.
12h29
